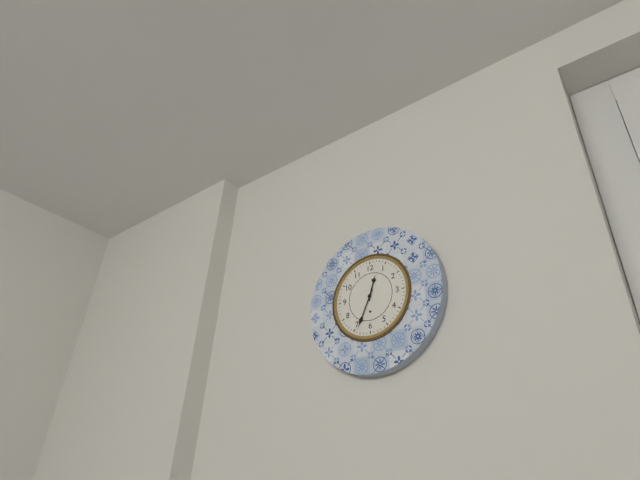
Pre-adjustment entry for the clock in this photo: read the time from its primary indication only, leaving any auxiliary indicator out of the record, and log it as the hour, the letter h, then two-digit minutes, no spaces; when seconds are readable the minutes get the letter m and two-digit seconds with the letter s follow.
12h34
